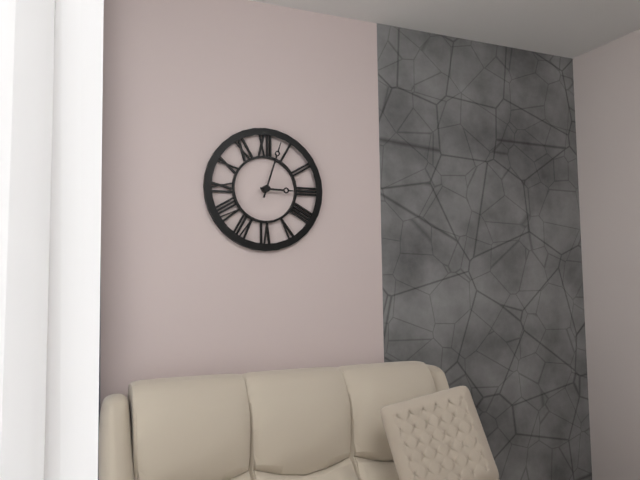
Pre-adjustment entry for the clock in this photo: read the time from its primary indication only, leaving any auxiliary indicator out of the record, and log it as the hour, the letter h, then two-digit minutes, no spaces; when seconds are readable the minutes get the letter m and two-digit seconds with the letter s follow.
3h03
